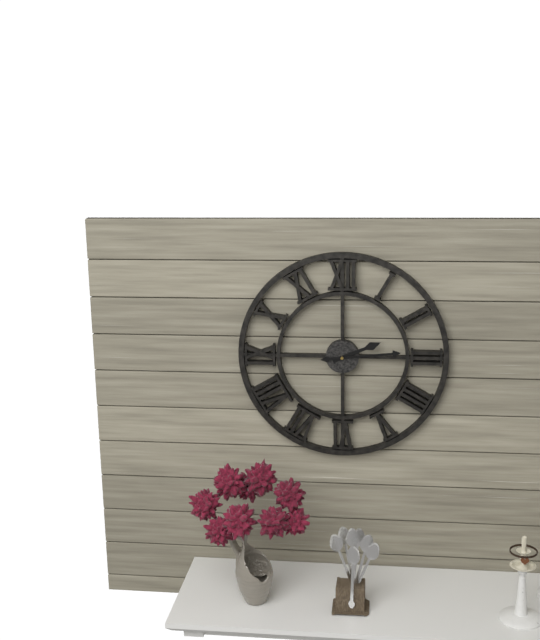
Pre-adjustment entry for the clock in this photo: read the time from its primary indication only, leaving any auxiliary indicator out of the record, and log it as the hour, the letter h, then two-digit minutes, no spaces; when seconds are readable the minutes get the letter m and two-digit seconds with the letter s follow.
2h14
